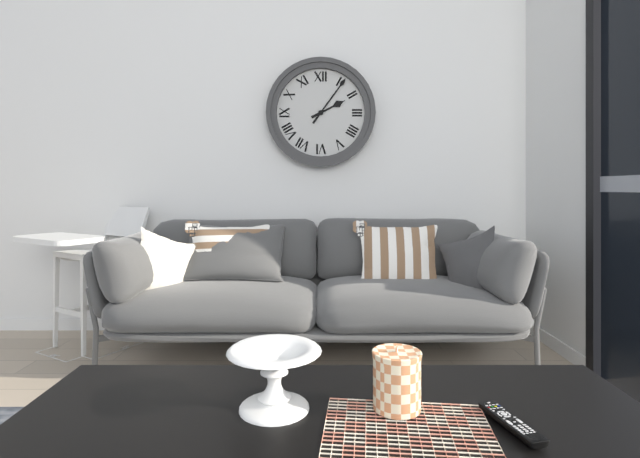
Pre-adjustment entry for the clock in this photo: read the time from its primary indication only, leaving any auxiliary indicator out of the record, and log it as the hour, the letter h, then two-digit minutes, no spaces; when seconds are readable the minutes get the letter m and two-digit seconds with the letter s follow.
2h06
